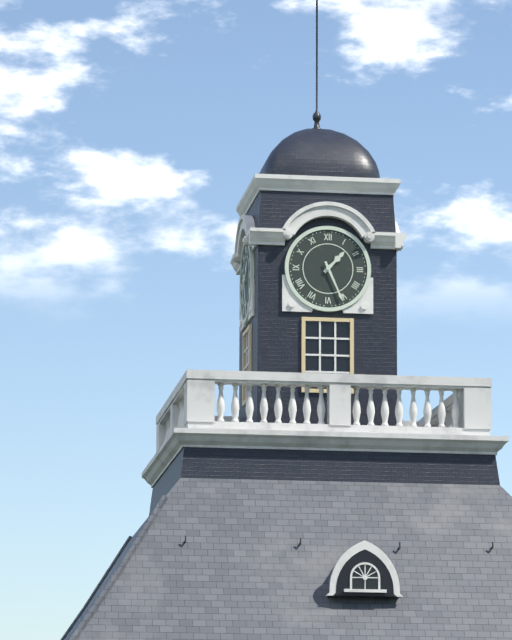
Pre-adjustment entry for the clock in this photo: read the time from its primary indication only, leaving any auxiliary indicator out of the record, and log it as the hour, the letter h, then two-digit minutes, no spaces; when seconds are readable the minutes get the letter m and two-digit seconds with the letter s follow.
1h26
